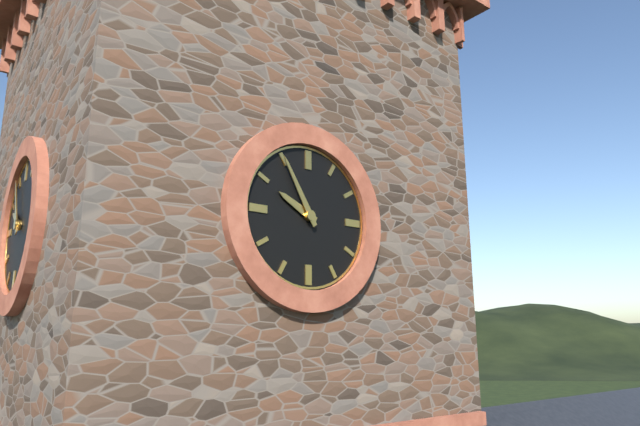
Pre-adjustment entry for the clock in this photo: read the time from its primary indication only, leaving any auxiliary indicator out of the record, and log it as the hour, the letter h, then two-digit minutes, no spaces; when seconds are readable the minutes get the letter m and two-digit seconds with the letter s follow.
9h55
